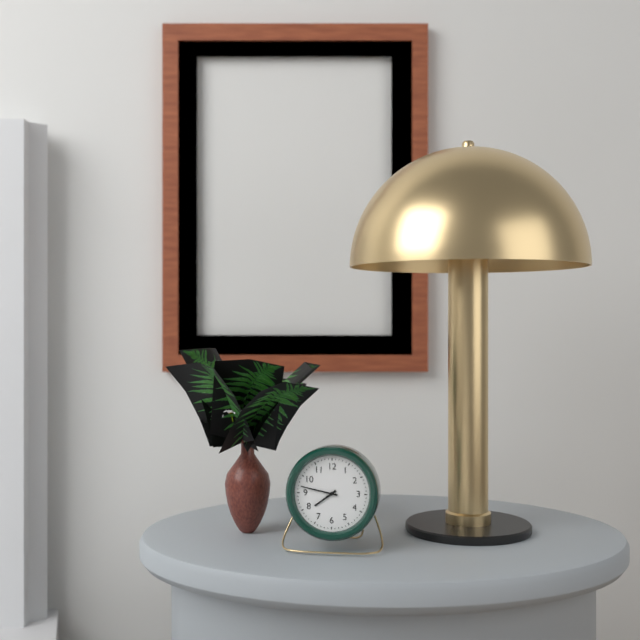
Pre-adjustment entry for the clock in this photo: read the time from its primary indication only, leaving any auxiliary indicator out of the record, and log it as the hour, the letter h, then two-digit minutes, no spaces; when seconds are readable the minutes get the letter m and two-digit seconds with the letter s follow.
7h47
